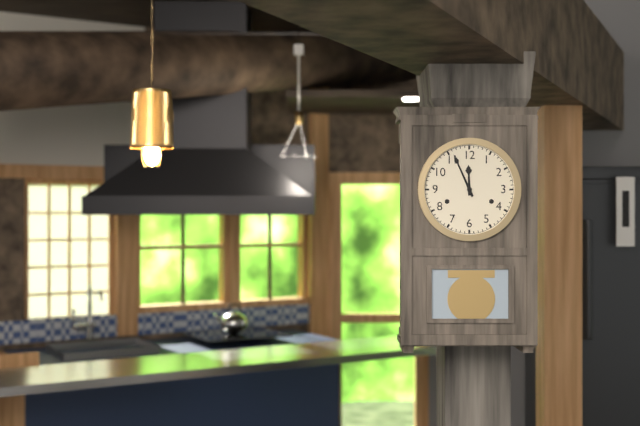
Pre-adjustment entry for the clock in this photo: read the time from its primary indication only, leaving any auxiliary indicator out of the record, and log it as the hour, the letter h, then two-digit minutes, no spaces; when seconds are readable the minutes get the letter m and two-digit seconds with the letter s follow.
11h56
